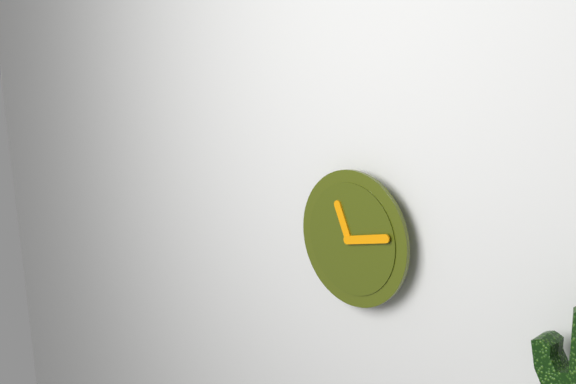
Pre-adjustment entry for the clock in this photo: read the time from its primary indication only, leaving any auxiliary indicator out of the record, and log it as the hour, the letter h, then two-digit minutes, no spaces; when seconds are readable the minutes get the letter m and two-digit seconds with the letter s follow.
11h13
